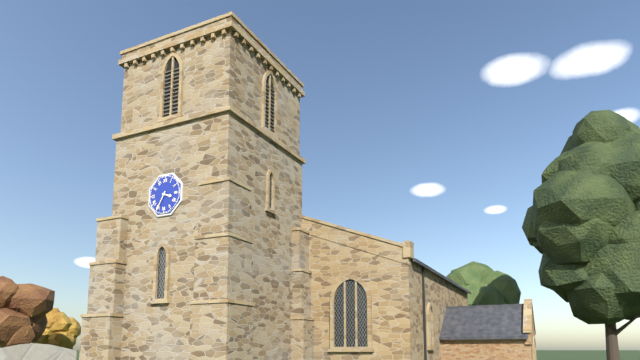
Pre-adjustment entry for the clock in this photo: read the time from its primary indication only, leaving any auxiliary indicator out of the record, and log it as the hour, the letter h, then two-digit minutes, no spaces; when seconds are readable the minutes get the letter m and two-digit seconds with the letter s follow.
3h35
